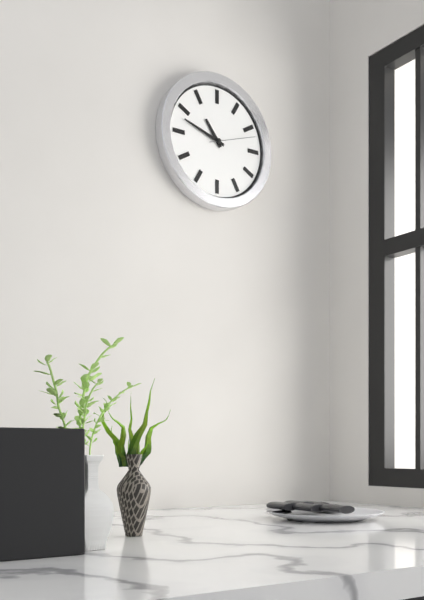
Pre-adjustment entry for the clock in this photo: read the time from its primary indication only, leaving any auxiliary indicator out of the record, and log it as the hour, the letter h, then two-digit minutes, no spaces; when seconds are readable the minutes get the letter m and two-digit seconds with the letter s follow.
10h48
